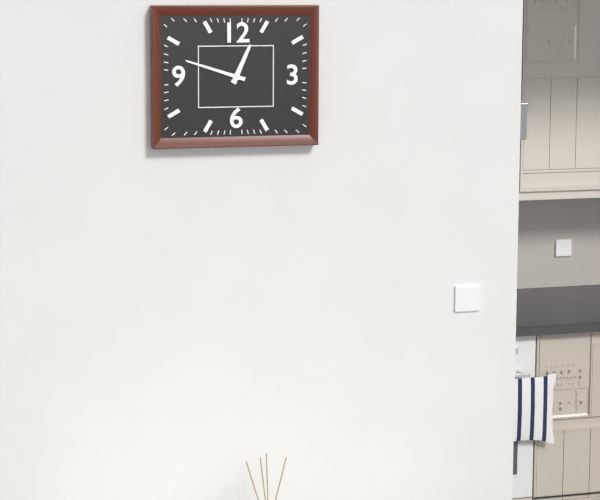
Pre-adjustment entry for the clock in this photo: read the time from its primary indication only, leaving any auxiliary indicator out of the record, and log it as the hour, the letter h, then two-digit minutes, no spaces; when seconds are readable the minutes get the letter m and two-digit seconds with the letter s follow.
12h48
